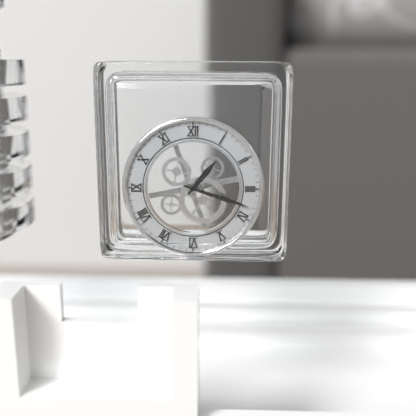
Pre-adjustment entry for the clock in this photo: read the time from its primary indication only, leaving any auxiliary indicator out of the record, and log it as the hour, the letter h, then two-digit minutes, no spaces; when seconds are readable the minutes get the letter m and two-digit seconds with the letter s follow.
1h18
